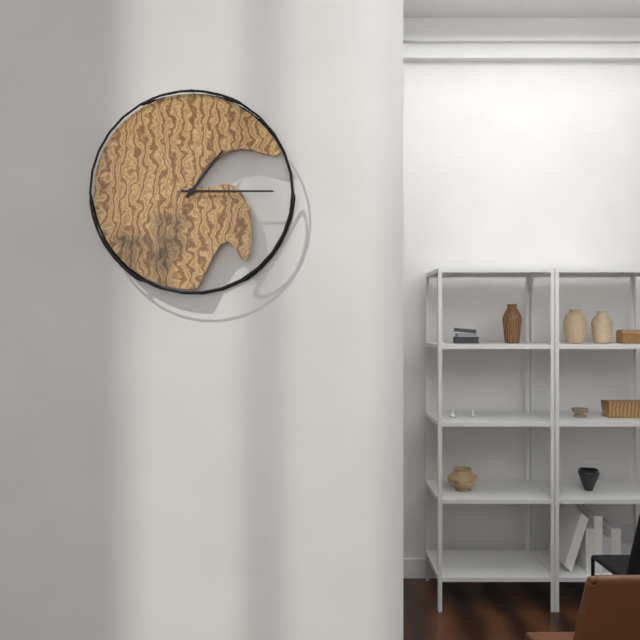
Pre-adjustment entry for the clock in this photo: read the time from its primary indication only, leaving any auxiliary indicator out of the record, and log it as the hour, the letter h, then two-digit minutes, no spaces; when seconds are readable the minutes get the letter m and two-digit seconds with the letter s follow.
1h15
